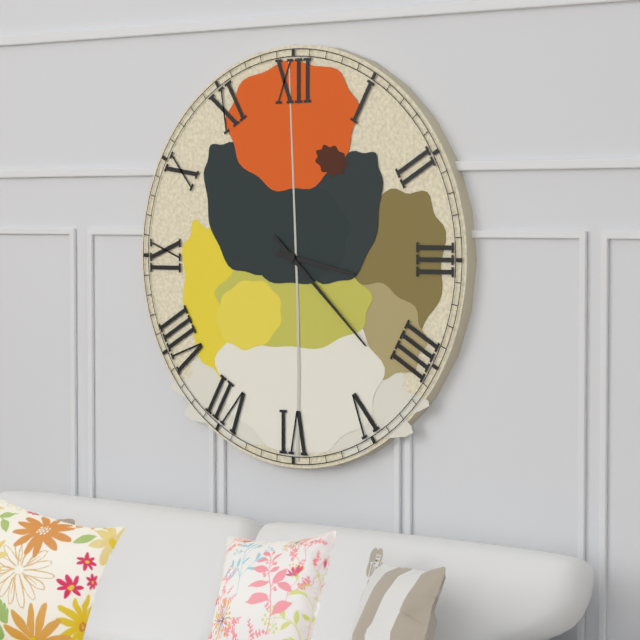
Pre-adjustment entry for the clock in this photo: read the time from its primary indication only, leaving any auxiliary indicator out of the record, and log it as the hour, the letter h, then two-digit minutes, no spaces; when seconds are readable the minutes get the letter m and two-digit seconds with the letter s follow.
3h22
